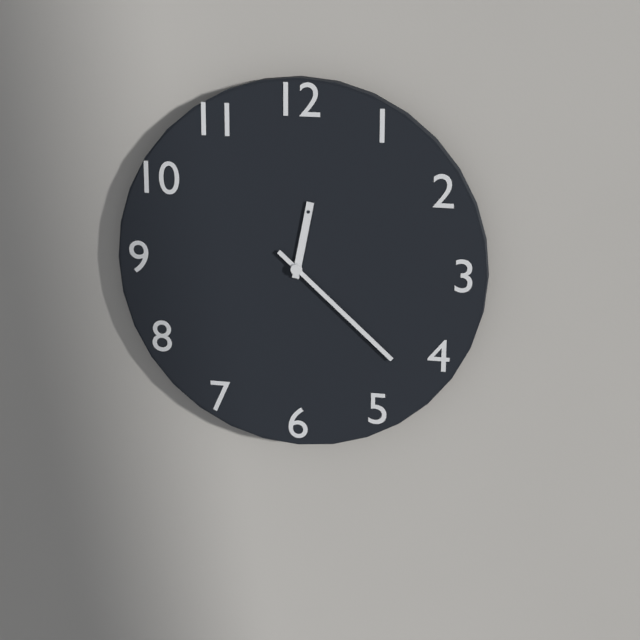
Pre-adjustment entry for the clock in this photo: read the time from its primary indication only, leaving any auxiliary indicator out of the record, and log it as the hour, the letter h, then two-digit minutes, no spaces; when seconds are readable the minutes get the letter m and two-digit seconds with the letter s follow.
12h22
